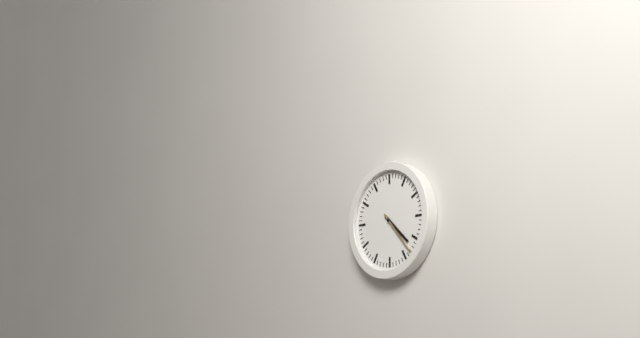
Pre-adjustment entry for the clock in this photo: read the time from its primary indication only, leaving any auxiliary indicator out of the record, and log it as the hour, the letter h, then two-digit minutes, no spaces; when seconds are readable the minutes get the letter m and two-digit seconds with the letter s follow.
4h23
